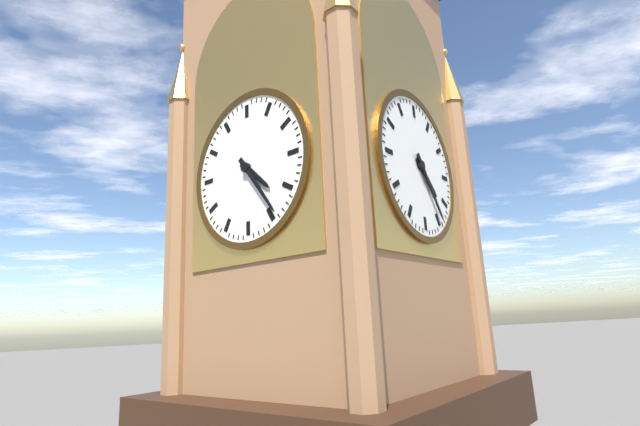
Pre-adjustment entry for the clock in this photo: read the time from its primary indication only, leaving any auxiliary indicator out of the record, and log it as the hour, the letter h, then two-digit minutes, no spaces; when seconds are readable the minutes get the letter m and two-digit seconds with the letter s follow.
4h24
